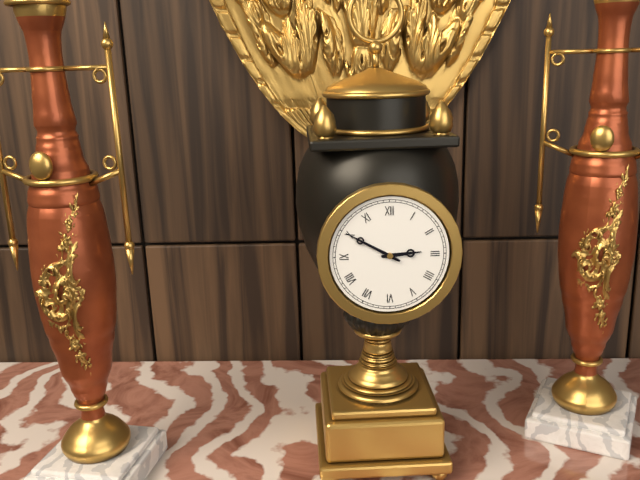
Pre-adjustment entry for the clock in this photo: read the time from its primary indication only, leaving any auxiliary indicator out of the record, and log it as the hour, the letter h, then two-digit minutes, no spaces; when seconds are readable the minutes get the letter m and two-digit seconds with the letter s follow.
2h50
